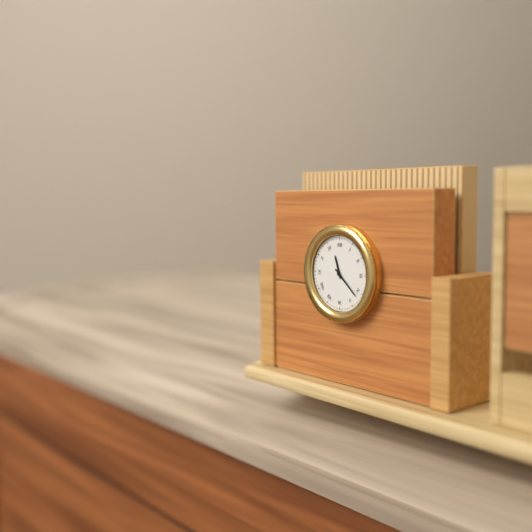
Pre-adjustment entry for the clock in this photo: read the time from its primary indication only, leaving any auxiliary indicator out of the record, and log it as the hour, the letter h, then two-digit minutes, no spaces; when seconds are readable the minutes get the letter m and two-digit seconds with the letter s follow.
11h22
